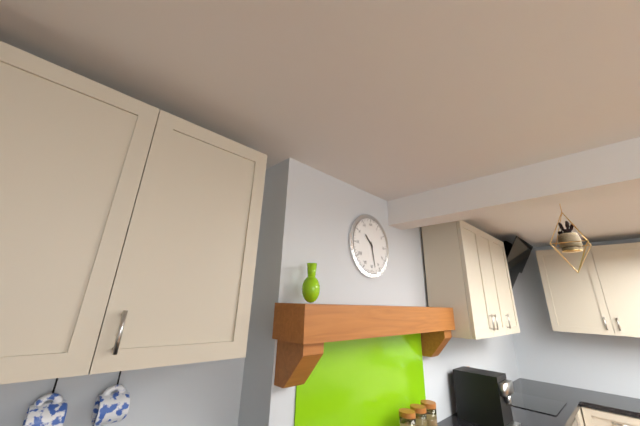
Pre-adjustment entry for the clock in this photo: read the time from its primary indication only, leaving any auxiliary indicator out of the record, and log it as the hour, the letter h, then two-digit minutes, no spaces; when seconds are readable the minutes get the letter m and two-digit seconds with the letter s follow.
10h28
